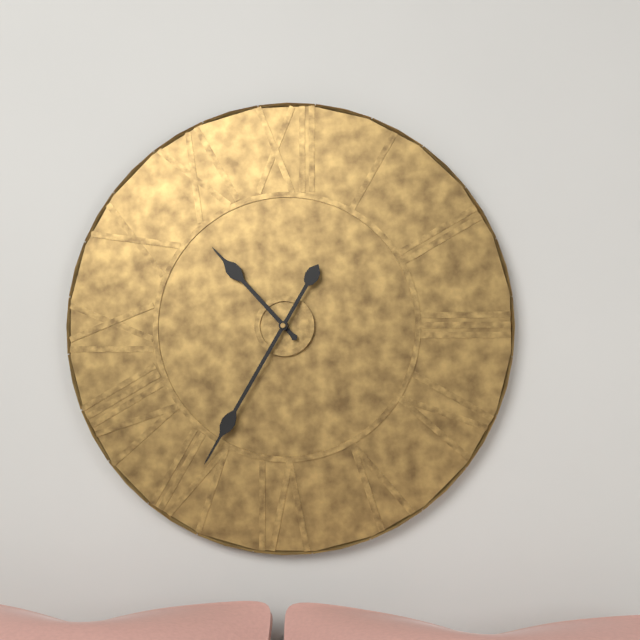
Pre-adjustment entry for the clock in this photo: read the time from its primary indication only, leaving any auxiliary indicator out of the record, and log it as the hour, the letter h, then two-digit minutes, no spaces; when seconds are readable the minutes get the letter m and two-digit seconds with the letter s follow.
10h35
